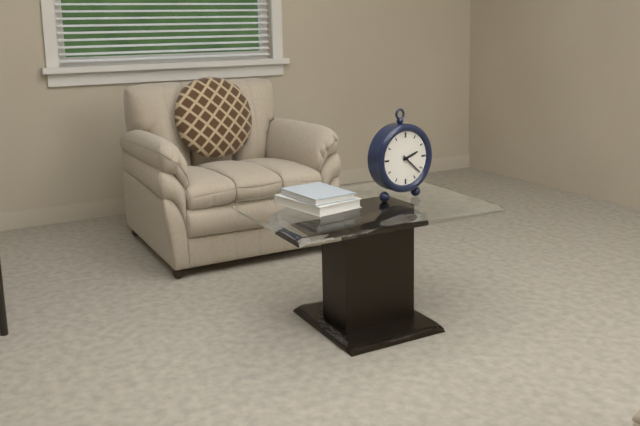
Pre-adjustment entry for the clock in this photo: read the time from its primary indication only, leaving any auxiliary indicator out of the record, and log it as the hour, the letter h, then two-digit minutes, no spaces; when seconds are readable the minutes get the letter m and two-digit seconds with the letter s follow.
2h22
